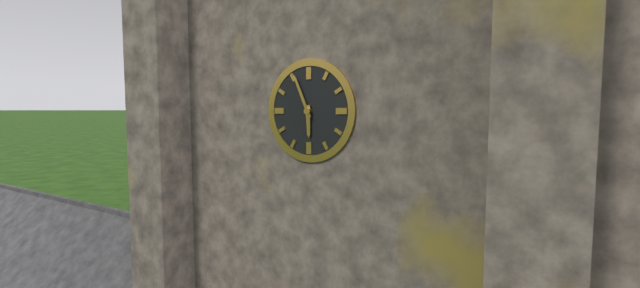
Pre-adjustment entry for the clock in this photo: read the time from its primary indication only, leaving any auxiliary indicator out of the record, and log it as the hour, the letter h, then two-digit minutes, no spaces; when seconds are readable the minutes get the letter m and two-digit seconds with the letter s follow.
5h56
